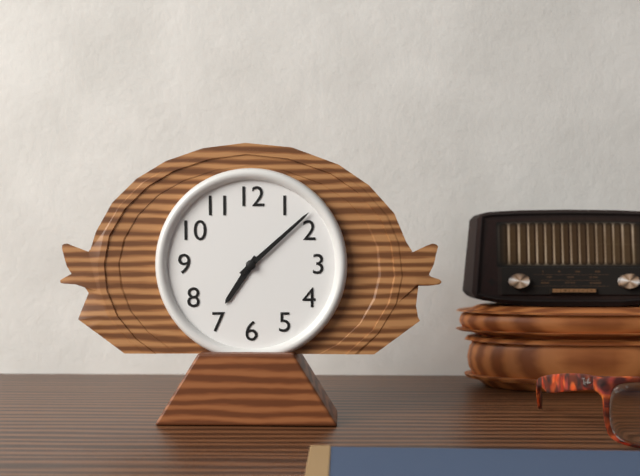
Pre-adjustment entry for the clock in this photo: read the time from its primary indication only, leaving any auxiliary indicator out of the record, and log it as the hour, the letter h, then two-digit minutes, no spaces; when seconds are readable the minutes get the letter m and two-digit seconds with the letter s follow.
7h08
